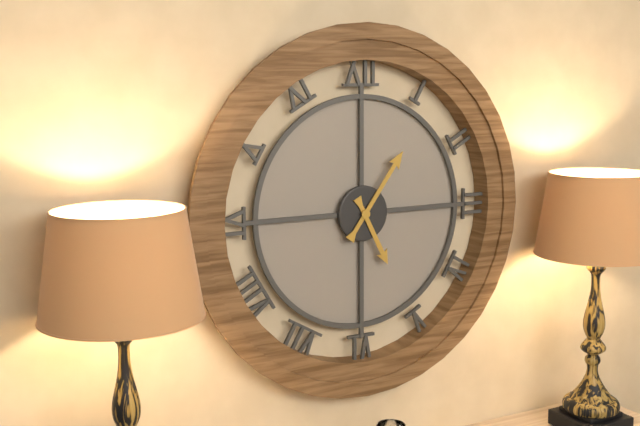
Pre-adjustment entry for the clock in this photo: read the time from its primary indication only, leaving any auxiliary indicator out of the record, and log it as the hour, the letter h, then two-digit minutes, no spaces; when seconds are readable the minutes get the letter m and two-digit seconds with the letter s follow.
5h06
